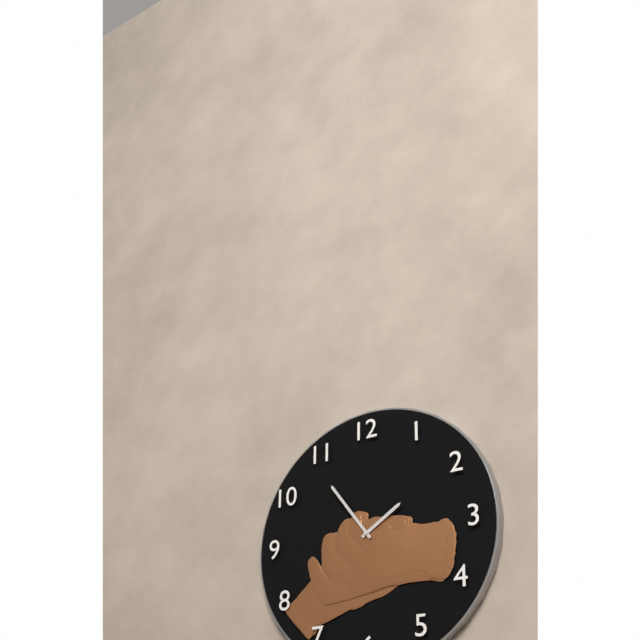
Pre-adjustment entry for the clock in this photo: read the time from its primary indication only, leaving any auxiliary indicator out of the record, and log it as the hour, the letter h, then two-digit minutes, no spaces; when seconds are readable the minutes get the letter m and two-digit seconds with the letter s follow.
1h54
